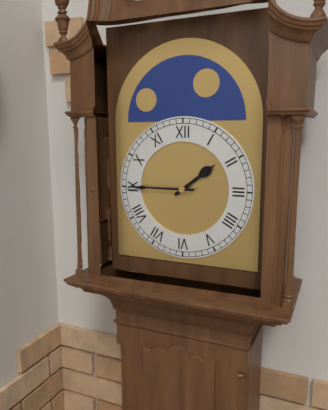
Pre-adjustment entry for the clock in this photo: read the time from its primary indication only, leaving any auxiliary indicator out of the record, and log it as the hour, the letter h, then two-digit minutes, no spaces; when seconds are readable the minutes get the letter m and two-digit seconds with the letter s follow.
1h45
